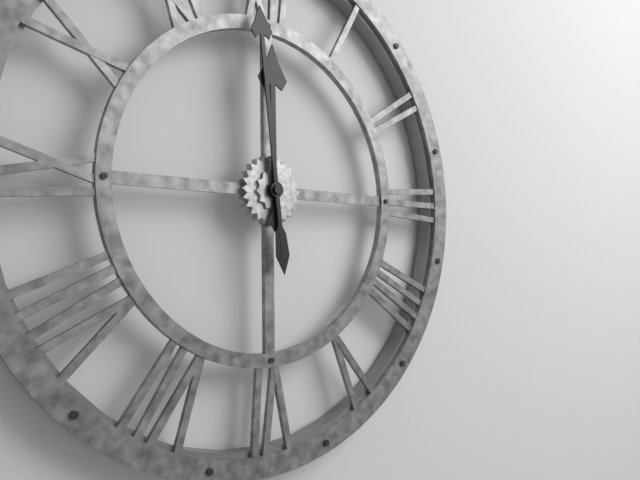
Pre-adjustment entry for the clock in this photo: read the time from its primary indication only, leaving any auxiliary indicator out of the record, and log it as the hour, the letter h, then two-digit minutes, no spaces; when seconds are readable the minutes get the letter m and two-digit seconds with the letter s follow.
11h59
